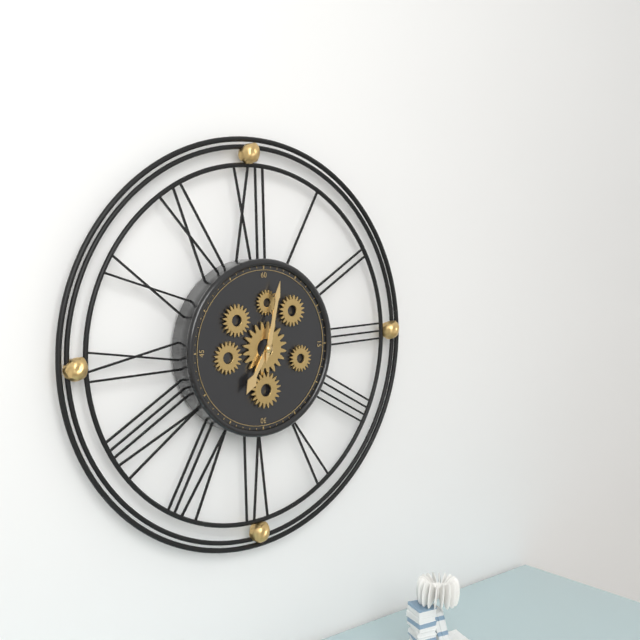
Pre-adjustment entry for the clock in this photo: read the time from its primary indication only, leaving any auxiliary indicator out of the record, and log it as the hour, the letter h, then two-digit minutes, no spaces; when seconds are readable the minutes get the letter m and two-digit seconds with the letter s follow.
7h02
